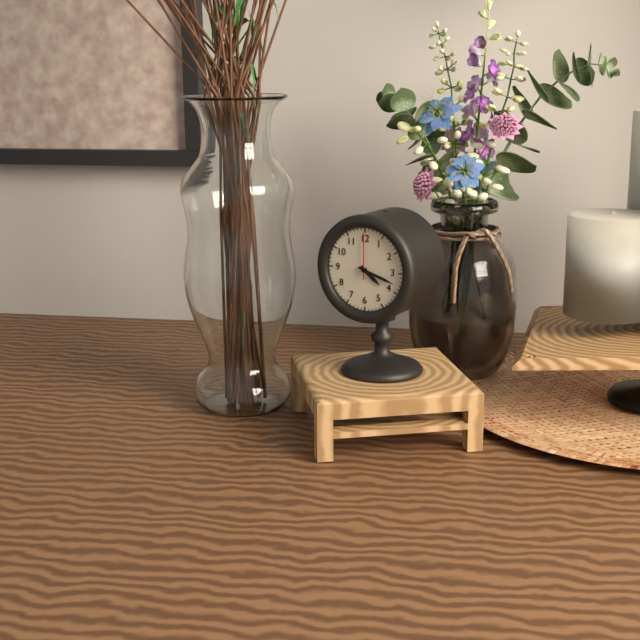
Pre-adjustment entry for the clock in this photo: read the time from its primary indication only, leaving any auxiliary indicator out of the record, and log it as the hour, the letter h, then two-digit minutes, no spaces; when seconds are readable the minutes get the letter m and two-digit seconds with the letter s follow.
4h18
